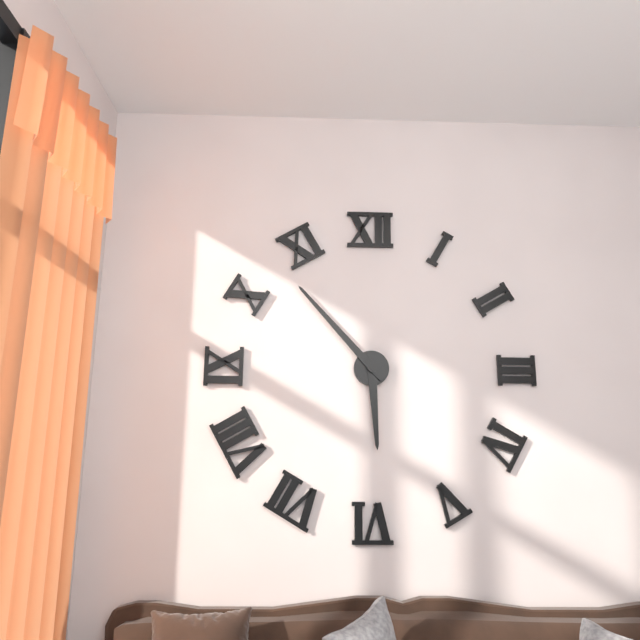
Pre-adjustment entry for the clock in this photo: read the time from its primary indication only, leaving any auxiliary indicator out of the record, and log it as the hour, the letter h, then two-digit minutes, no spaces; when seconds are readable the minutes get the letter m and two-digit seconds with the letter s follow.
5h53
